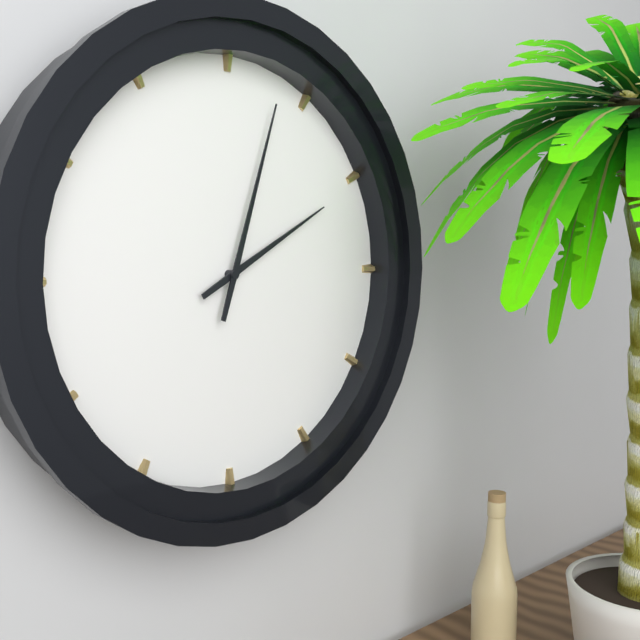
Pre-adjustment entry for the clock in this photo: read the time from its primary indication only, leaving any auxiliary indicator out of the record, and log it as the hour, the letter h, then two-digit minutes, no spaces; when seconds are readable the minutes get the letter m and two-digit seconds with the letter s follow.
2h03
